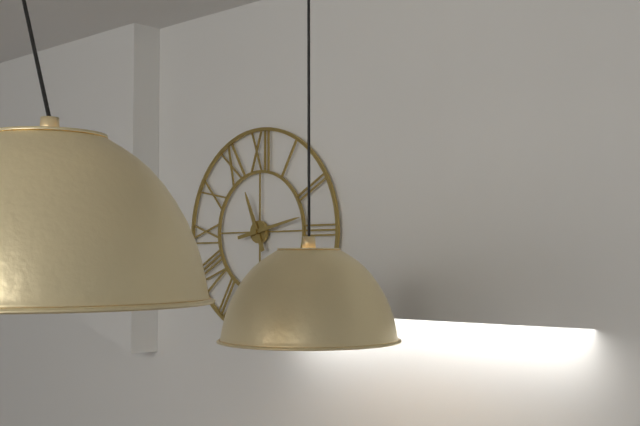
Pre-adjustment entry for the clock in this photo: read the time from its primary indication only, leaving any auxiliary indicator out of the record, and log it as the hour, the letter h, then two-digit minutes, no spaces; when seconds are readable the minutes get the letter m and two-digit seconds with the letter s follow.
11h13
